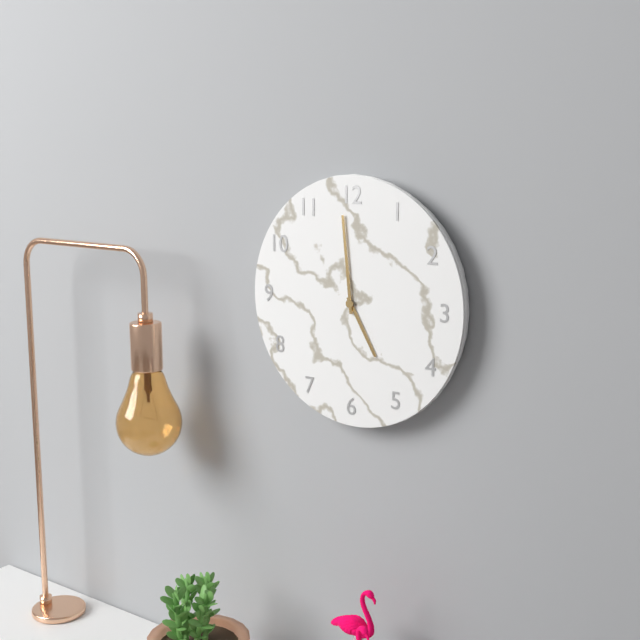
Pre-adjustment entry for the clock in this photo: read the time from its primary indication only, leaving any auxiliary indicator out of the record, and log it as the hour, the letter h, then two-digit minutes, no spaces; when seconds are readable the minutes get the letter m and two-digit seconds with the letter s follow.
4h59
